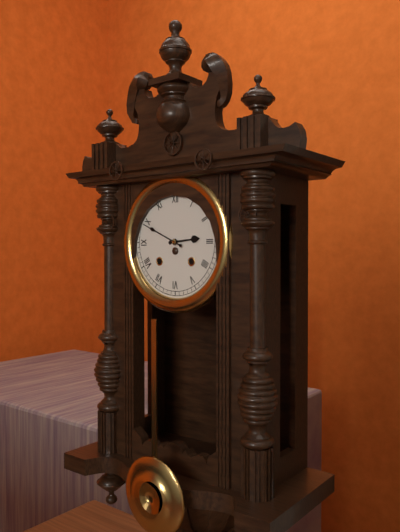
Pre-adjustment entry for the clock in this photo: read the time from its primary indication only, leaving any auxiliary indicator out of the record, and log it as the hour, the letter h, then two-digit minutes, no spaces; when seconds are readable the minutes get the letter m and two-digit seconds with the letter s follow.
2h49
